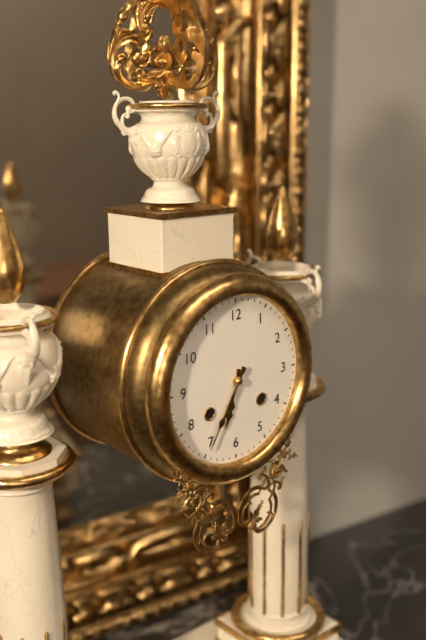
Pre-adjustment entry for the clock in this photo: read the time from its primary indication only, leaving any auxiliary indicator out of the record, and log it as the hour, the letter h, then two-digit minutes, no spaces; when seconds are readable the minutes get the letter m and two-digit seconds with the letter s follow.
6h35
